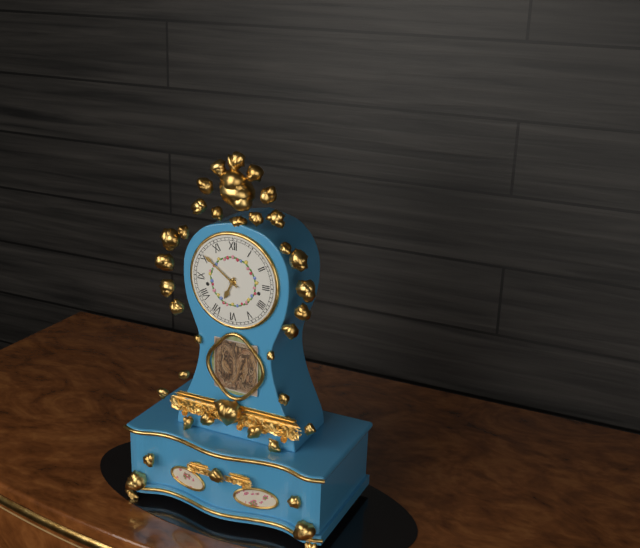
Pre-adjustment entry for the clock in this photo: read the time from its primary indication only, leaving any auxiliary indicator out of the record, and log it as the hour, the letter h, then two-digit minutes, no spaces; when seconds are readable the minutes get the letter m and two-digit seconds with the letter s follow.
6h51
